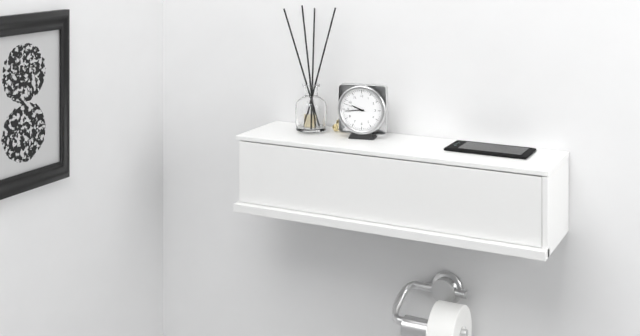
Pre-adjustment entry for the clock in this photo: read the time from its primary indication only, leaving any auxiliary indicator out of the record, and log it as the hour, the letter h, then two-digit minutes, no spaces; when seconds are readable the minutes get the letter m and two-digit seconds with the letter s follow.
9h44
